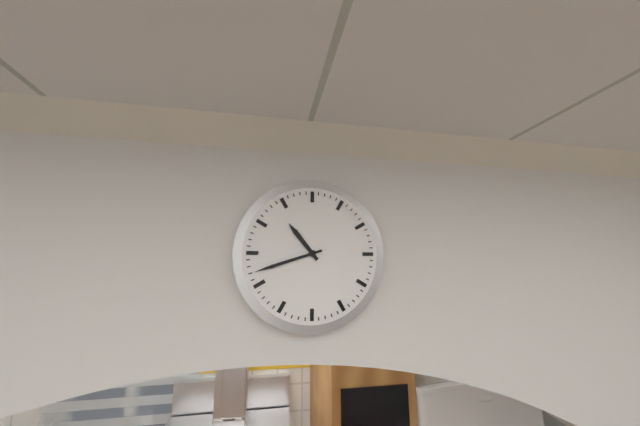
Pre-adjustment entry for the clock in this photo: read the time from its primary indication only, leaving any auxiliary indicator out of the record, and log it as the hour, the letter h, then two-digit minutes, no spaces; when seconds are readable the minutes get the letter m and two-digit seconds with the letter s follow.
10h42
